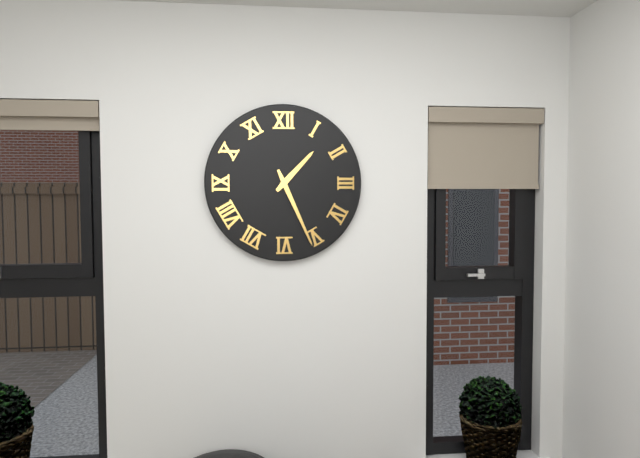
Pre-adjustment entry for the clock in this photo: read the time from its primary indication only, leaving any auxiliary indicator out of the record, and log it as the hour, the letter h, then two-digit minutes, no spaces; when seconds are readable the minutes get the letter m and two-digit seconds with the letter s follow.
1h26
